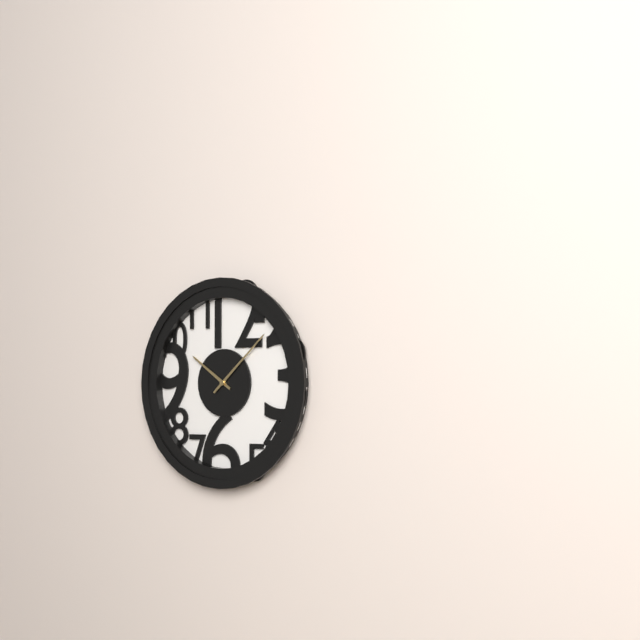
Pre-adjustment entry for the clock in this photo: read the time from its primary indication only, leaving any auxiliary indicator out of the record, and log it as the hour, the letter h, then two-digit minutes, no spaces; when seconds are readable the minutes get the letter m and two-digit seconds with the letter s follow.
10h08
